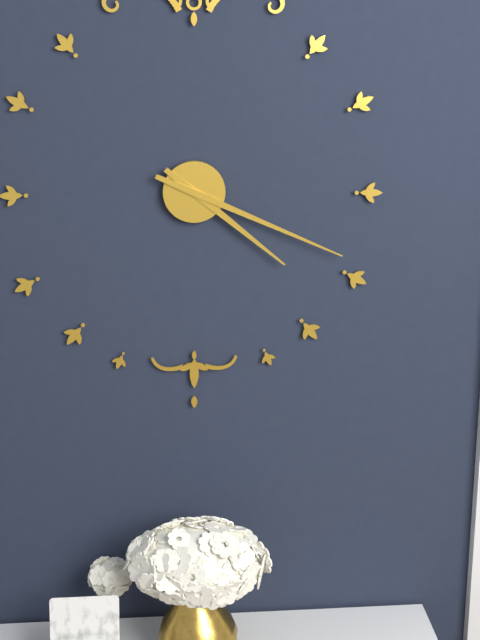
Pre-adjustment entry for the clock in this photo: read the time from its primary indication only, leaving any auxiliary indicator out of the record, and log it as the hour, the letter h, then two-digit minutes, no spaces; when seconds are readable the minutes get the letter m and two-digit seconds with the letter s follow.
4h19
